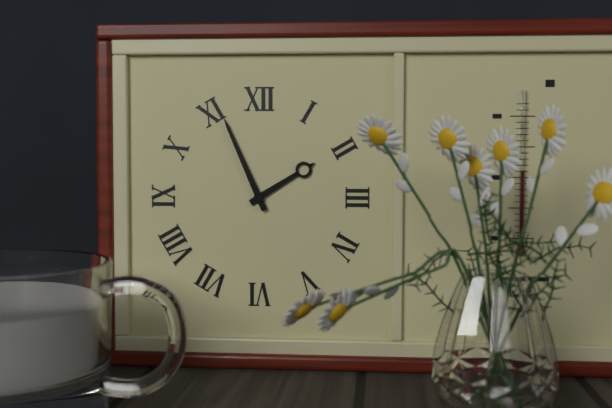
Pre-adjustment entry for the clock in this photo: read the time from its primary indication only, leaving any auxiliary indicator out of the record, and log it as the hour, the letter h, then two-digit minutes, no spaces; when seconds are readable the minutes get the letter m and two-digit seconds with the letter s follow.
1h56
